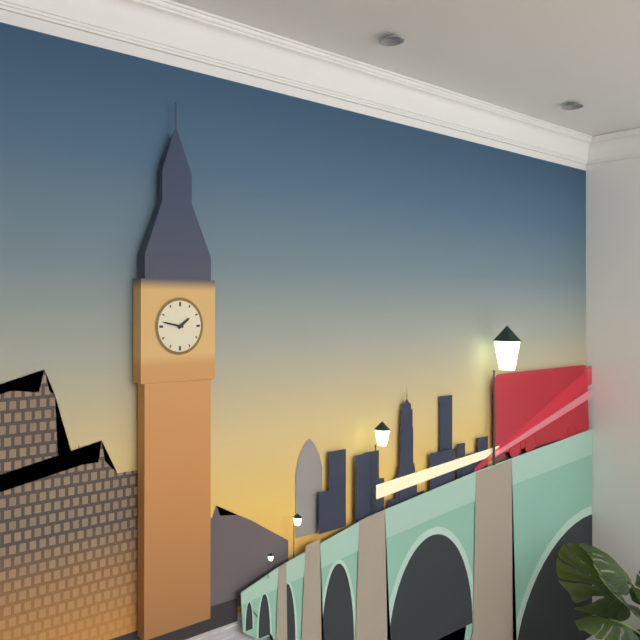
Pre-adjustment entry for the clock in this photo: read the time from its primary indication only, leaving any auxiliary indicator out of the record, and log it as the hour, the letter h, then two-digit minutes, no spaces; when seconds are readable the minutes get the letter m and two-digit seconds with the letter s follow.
1h47
